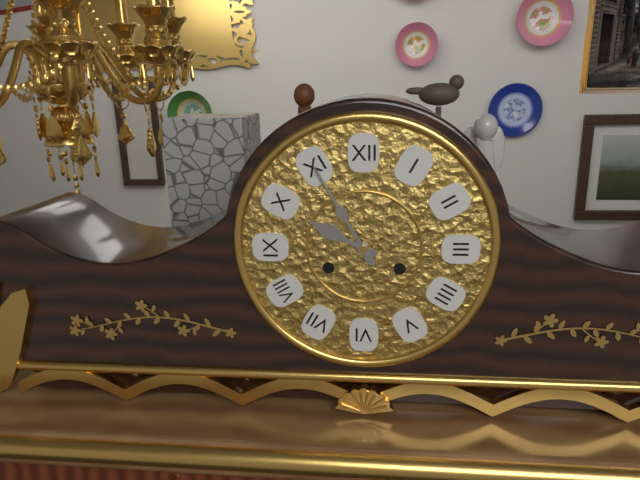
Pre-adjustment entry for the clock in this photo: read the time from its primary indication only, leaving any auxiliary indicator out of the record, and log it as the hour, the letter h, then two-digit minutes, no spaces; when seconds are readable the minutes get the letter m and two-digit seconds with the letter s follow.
9h55
